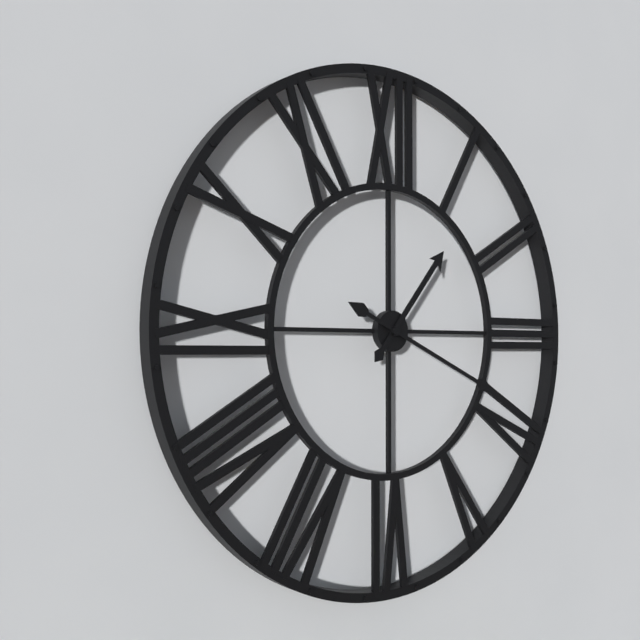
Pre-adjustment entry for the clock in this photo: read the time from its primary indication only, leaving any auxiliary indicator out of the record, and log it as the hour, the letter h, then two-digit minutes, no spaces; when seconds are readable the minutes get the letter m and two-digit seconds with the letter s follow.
1h19
